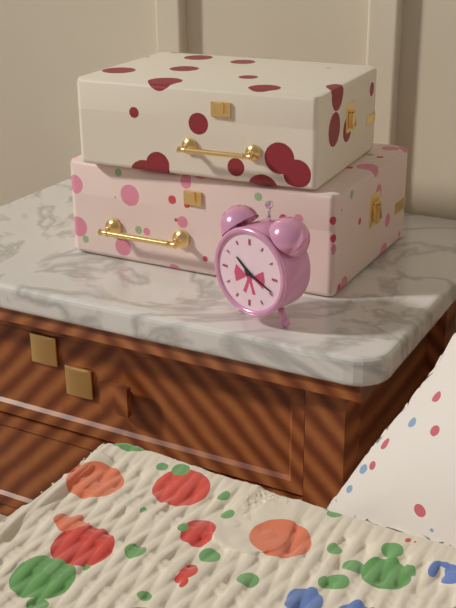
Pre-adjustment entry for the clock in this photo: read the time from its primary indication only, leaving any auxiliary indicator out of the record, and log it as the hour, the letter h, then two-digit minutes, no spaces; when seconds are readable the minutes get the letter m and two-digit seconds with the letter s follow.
10h19
